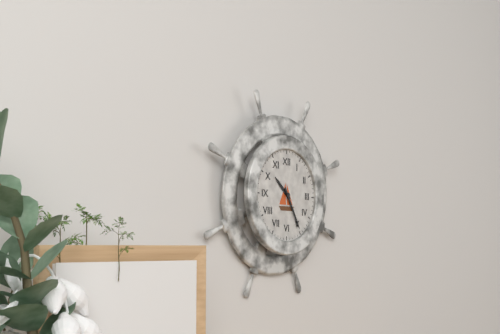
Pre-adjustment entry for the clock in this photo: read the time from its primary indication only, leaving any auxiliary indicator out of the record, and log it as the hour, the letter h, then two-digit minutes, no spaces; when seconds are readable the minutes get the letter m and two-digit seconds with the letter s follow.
10h25
